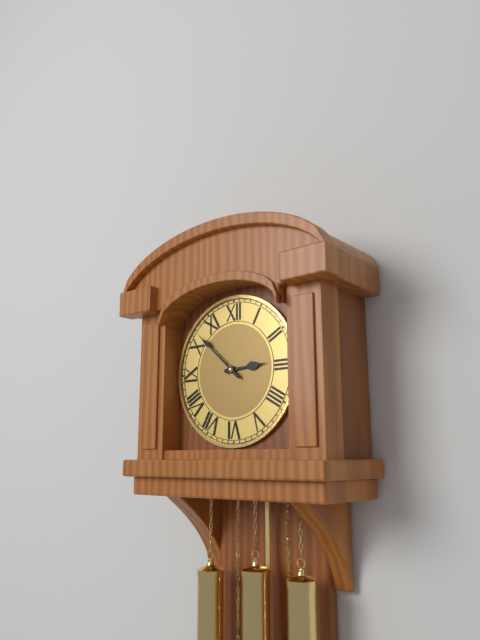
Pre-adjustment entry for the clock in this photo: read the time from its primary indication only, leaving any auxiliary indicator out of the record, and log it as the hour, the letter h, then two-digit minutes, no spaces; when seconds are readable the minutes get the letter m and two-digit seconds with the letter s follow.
2h52
